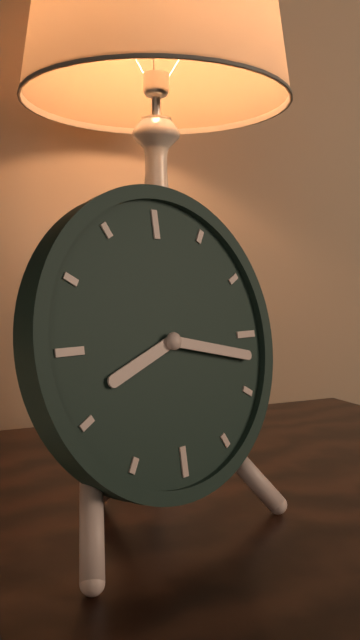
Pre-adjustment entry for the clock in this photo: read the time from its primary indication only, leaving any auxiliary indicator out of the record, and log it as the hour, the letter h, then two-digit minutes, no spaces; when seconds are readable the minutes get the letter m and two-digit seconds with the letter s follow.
8h17
